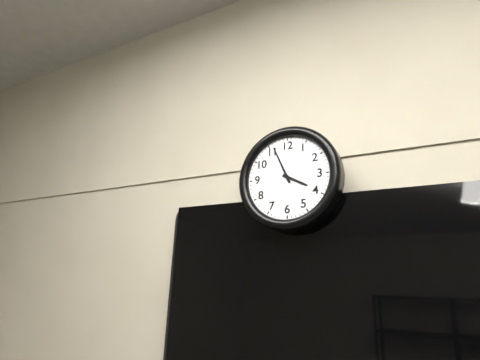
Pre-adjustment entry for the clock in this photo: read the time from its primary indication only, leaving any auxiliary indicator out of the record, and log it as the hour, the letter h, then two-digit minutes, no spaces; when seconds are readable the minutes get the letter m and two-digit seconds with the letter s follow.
3h56
